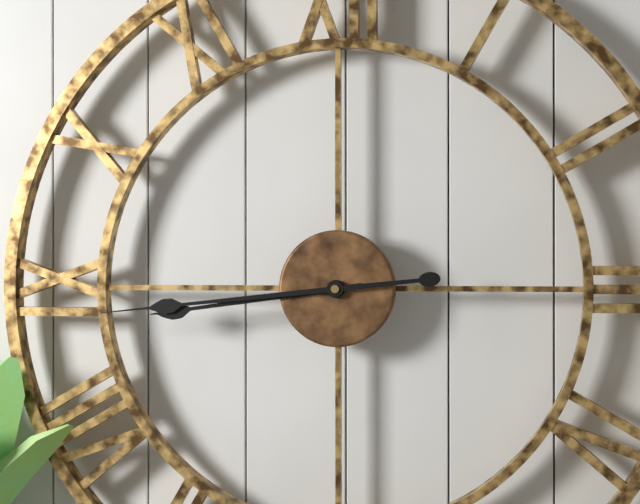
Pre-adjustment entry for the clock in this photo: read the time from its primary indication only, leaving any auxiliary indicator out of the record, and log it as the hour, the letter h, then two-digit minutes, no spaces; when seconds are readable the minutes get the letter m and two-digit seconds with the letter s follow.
8h44
